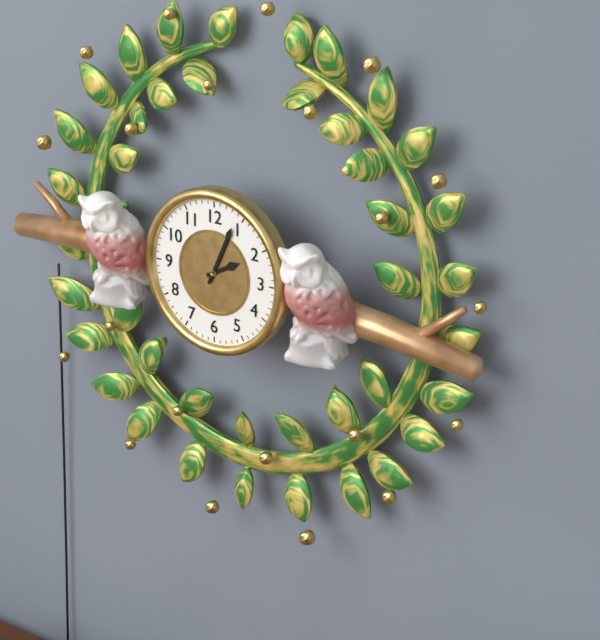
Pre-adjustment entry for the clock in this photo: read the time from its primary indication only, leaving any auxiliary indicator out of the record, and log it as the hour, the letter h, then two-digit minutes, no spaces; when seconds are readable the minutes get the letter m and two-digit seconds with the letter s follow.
2h04
